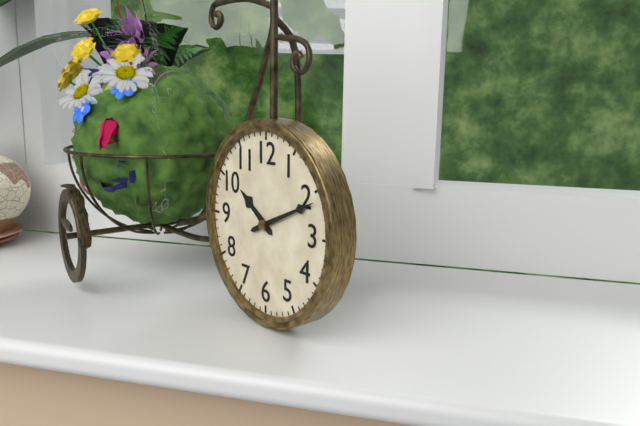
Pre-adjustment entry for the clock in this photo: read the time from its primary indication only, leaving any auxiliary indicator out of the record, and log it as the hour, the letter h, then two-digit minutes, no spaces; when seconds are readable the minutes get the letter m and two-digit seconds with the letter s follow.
10h11
